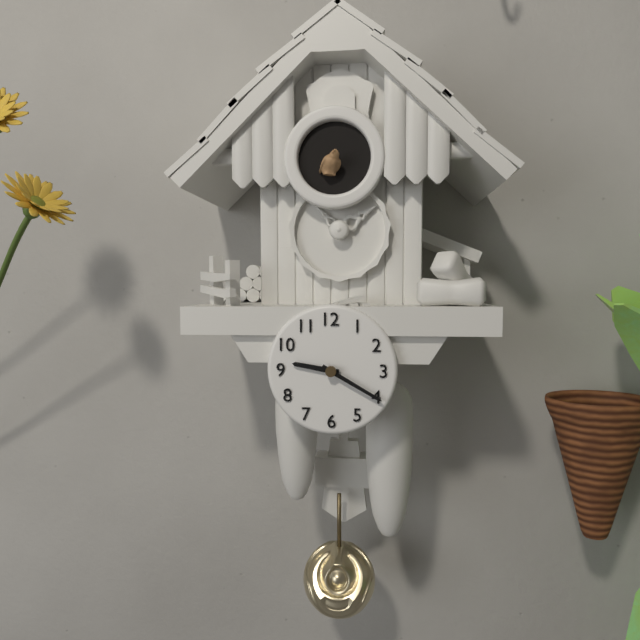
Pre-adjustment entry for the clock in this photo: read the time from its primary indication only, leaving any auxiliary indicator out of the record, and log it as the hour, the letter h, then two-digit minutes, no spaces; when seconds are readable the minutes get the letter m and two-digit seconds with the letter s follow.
9h20
